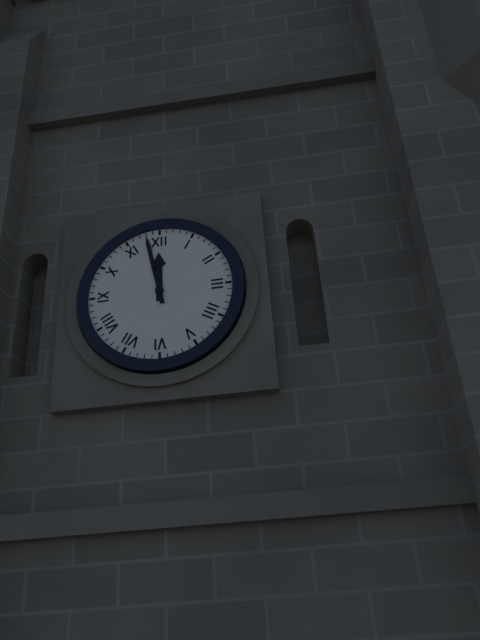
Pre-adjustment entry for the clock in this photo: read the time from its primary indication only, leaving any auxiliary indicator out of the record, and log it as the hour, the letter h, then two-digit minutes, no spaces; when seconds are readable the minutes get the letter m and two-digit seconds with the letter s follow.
11h58
